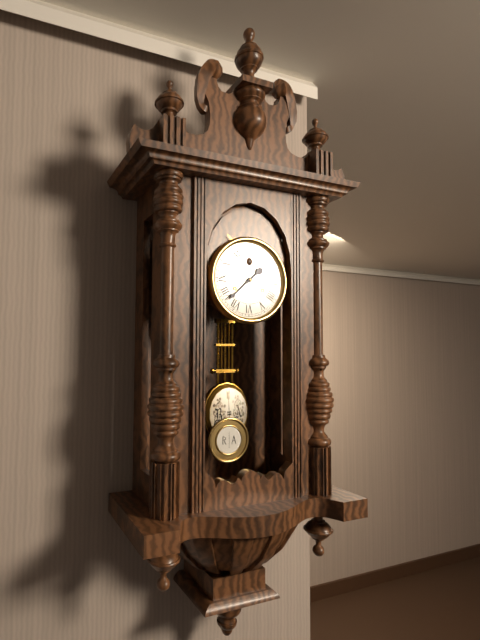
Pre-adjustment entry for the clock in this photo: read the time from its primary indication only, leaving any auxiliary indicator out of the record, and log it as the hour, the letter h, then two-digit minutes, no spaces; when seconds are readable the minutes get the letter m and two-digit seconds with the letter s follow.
1h38
